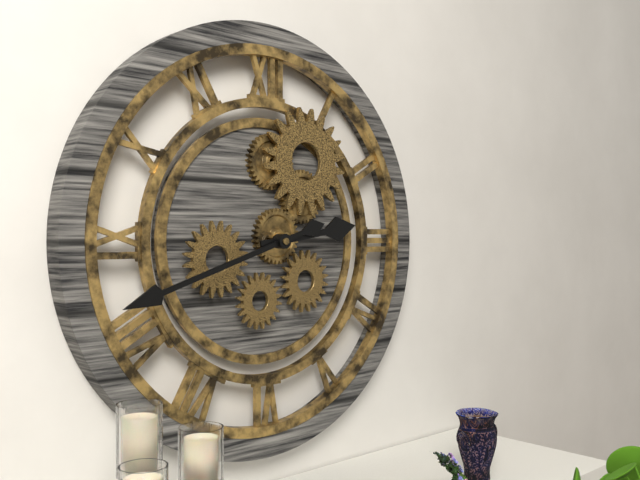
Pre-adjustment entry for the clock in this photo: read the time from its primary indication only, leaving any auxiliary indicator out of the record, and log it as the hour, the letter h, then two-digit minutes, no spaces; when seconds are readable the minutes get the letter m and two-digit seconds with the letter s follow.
2h42
